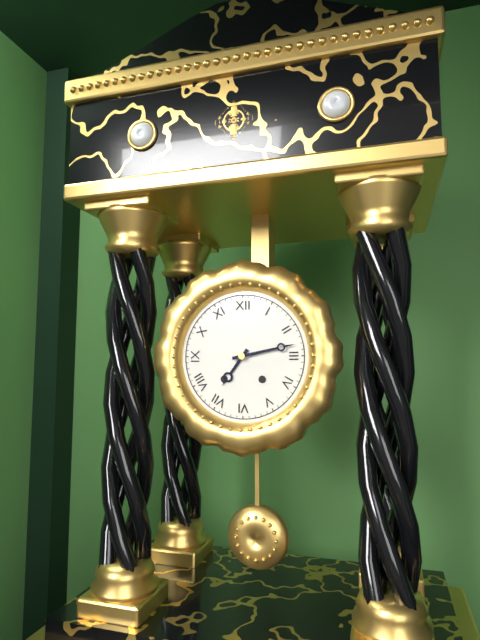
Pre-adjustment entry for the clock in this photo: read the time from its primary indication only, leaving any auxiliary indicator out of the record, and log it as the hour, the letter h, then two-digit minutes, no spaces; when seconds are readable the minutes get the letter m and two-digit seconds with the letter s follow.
7h13
